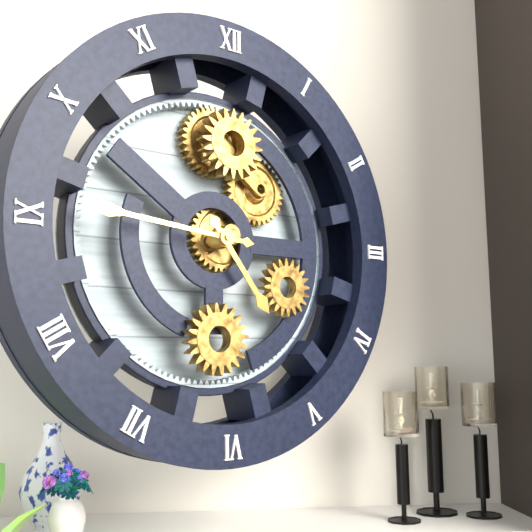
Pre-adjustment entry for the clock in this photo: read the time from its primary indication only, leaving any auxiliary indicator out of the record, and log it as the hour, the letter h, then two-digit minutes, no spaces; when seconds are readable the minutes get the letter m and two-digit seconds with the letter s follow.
4h46
